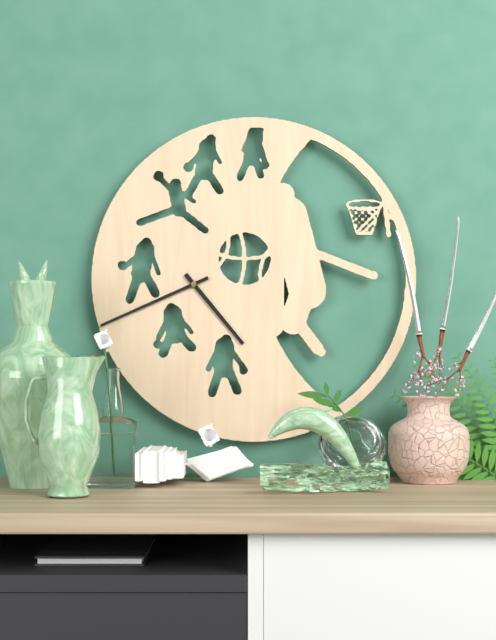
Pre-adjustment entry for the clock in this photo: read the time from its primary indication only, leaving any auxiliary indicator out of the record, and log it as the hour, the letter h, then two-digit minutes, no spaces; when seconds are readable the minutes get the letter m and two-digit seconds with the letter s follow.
4h41
